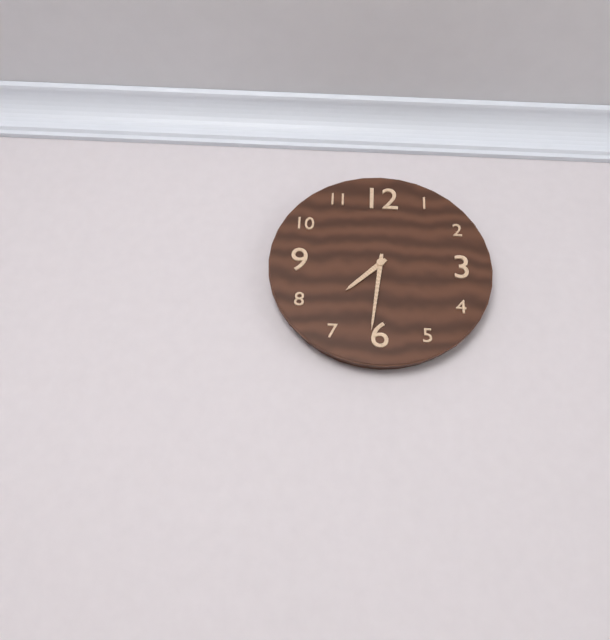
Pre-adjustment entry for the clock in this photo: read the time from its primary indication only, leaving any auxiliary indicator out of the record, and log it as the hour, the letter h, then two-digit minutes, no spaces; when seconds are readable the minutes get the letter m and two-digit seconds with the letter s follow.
7h31
